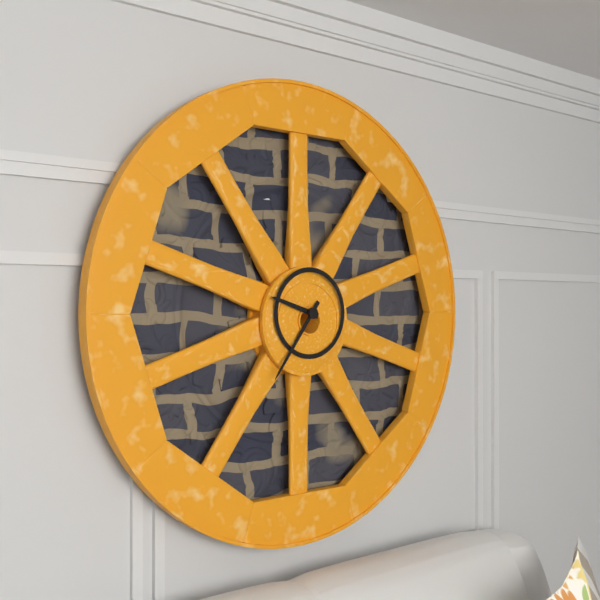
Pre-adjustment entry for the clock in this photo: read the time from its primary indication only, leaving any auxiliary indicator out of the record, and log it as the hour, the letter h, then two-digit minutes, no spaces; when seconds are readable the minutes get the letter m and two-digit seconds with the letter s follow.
9h36
